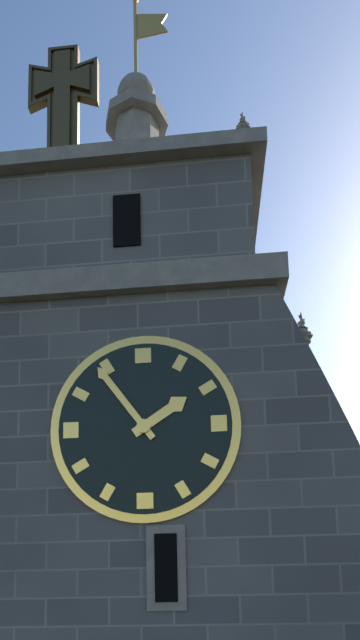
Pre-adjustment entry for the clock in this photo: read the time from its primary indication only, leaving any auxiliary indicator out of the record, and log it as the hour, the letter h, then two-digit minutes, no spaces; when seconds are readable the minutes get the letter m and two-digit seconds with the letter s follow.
1h54
